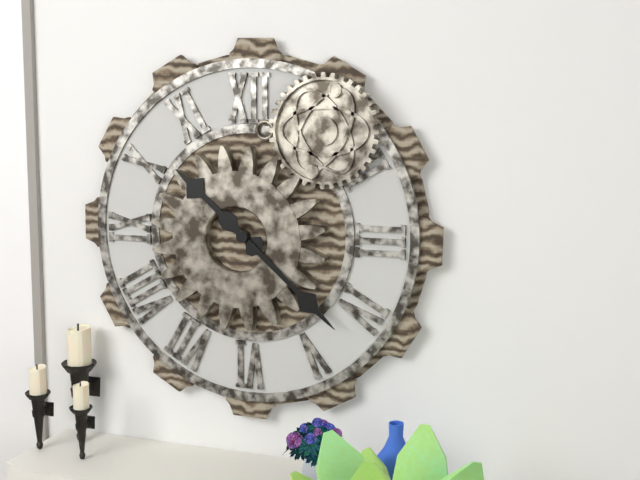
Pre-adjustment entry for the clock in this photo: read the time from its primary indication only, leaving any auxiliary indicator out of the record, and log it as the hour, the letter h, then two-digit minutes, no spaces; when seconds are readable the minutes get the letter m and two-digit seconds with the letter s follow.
10h22
